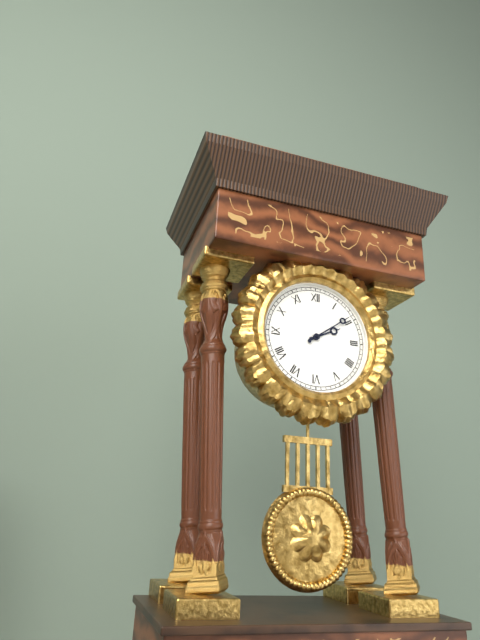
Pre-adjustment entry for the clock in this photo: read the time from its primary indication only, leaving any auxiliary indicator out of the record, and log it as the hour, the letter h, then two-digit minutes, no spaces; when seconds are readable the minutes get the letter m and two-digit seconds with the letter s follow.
2h09
